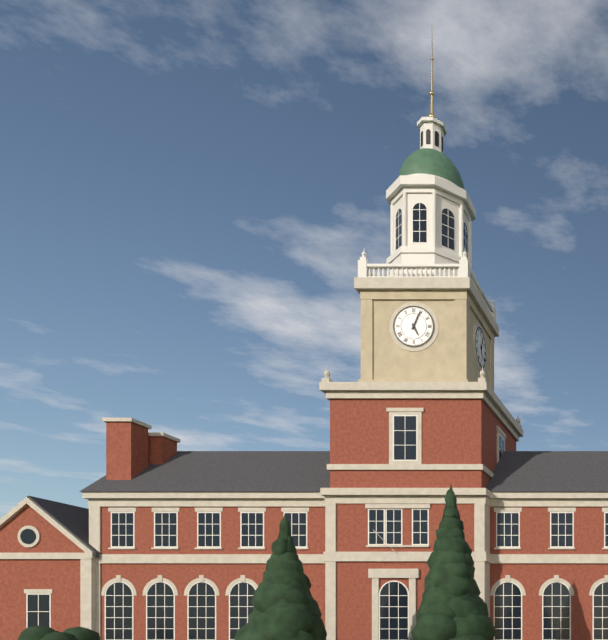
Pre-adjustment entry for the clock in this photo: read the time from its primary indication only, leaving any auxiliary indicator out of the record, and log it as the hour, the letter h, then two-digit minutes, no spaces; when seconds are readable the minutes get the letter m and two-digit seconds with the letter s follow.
5h04
